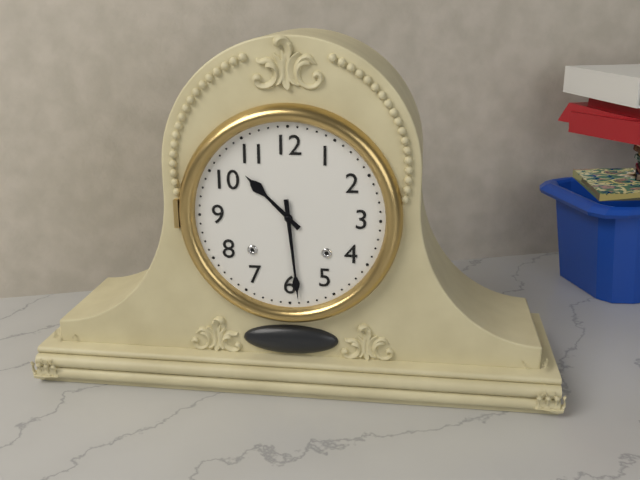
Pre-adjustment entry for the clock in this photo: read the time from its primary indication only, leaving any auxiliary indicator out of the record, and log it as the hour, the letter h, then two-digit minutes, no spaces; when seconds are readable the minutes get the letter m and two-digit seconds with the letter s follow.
10h29
